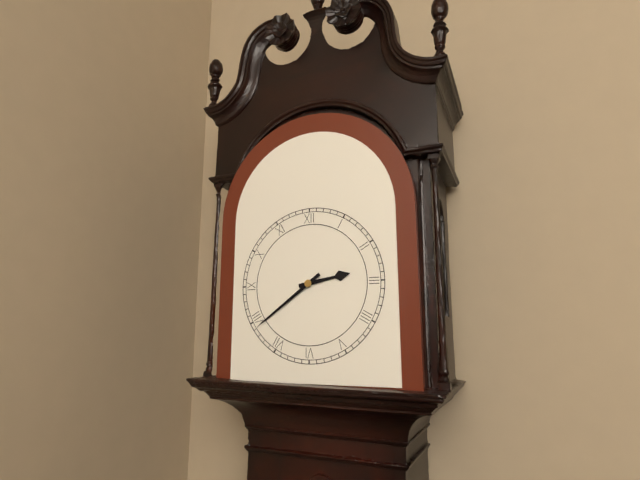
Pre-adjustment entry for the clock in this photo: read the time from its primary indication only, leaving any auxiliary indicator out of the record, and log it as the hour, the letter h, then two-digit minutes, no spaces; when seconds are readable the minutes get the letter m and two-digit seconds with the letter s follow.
2h39
